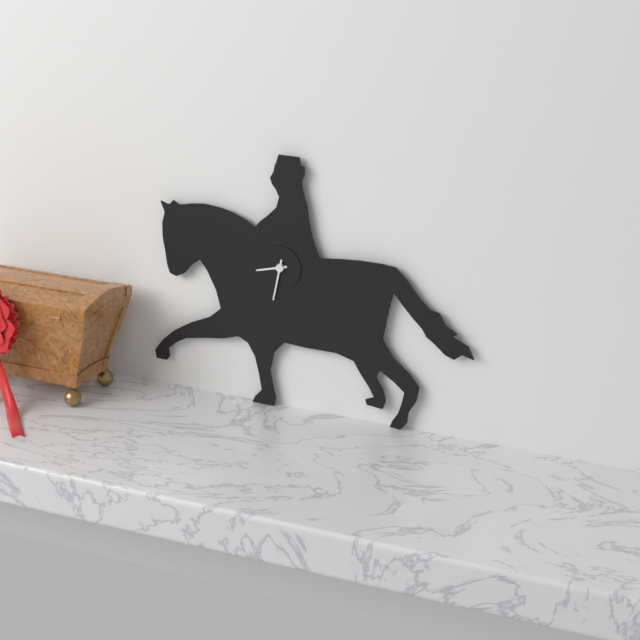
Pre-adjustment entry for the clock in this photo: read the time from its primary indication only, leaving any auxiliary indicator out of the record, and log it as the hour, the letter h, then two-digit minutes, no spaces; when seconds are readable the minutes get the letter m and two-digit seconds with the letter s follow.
8h32
